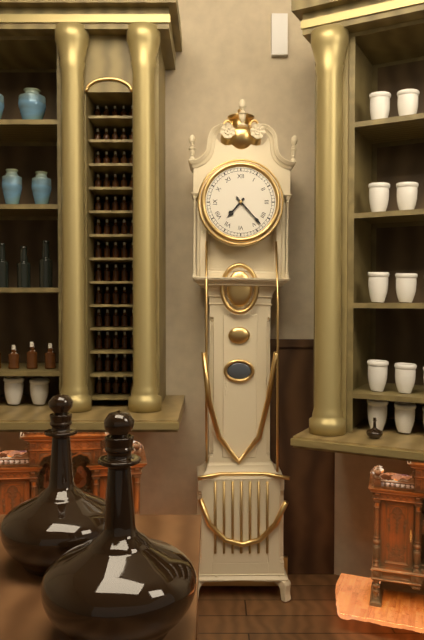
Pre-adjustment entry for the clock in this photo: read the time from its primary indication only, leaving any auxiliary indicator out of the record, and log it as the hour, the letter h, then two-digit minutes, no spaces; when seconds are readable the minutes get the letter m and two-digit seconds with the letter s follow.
7h23
